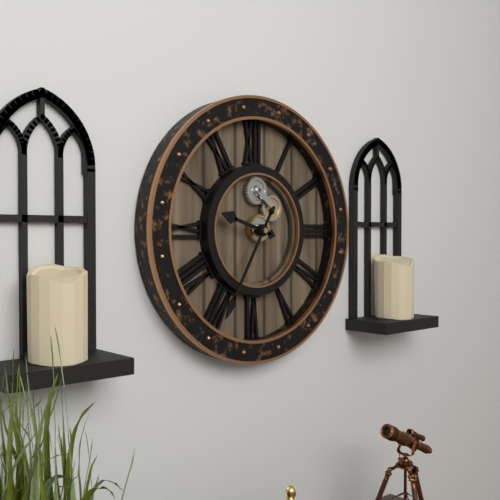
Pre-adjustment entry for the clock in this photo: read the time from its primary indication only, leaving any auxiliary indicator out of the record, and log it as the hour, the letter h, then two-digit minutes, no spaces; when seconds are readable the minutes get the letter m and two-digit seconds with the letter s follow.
9h35
